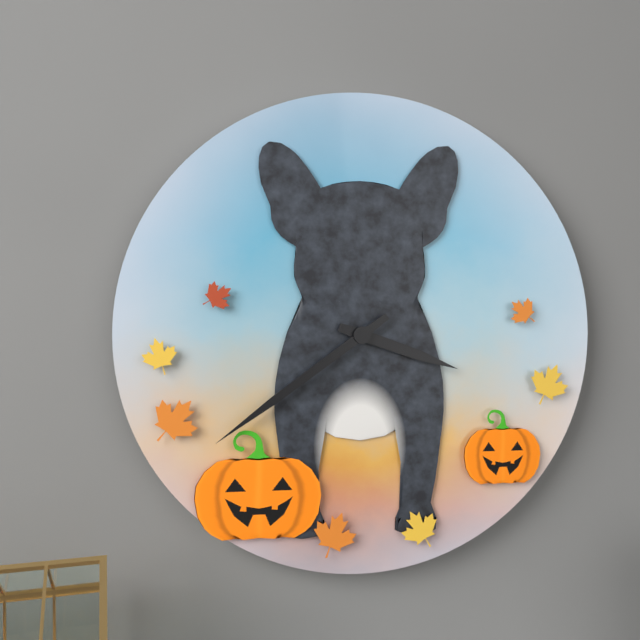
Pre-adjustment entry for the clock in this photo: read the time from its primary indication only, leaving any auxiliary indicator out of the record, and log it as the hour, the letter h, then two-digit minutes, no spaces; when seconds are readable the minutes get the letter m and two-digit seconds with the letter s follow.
3h39
